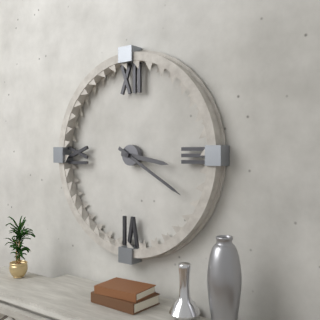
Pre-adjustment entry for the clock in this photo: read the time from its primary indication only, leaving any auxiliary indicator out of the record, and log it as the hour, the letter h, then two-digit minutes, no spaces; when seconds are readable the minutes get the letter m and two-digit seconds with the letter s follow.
3h20
